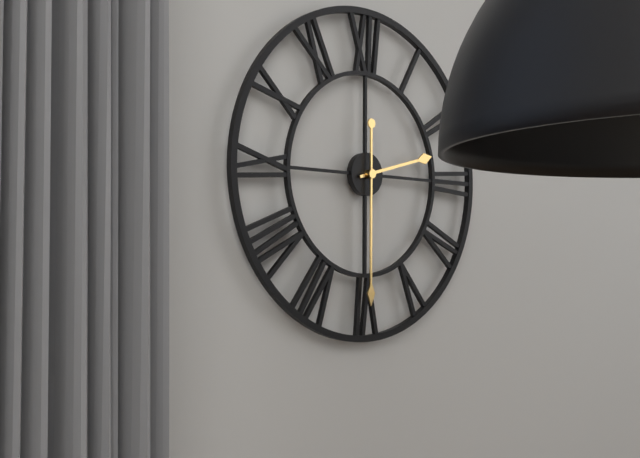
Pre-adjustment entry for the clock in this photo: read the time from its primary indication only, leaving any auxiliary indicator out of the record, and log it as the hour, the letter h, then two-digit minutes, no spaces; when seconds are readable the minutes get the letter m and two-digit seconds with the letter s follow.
2h30
